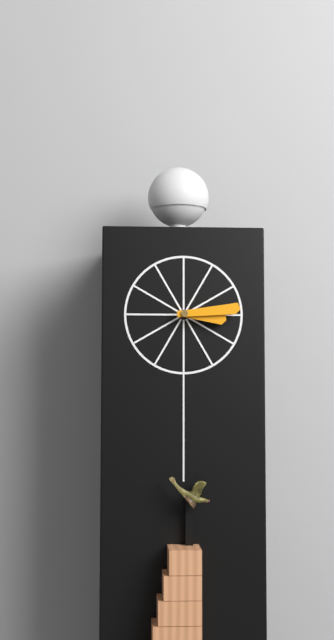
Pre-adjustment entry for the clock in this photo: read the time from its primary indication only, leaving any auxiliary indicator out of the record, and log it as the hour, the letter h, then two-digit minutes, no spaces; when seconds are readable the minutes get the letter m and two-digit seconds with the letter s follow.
3h14
